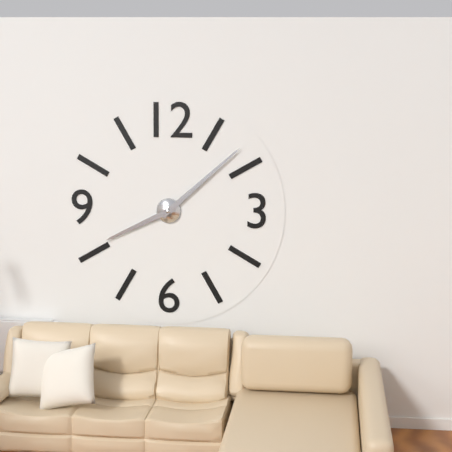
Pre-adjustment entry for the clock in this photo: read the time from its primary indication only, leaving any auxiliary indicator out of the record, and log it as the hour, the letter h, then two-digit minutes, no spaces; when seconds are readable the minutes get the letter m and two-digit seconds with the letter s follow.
8h08
